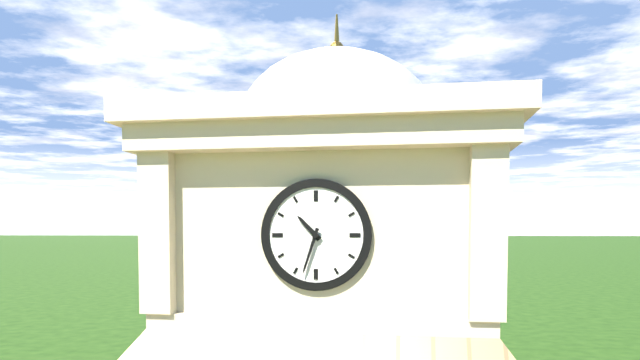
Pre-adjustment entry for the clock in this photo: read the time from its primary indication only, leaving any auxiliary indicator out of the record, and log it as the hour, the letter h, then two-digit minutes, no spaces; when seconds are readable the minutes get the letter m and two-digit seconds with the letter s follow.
10h33
